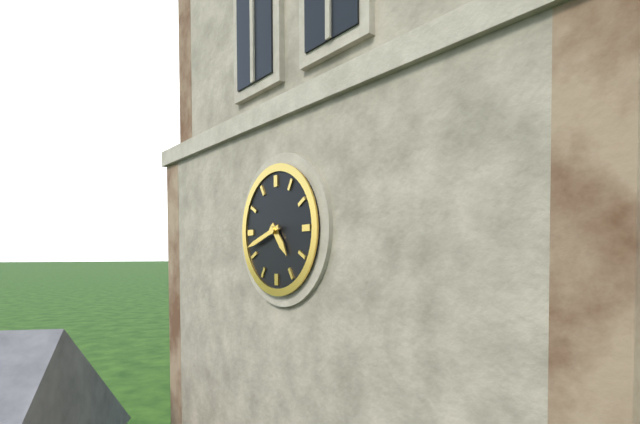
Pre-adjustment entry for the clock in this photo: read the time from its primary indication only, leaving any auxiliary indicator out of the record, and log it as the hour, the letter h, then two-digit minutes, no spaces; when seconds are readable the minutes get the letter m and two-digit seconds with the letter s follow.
4h42
